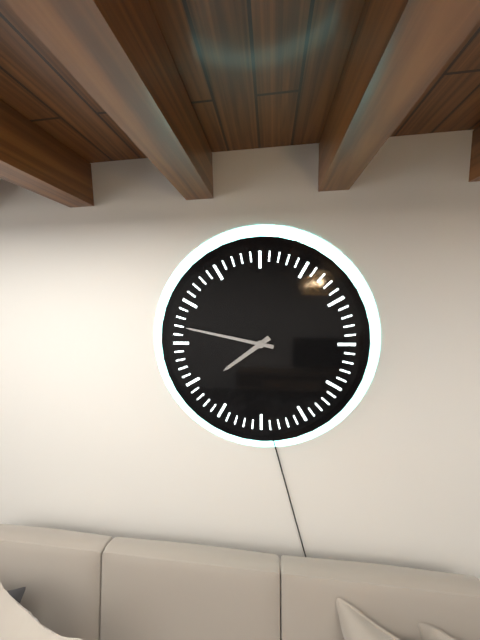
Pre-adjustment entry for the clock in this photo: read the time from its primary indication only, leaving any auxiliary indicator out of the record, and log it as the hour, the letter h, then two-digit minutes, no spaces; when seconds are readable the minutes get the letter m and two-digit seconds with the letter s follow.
7h47
